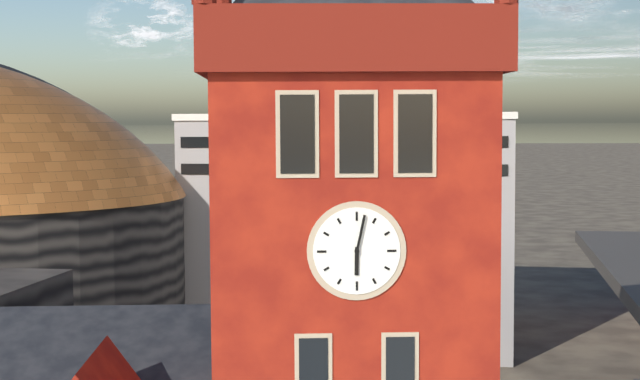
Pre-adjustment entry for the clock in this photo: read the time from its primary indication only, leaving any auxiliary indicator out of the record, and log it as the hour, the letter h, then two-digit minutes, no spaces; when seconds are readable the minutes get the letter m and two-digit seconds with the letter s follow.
6h02
